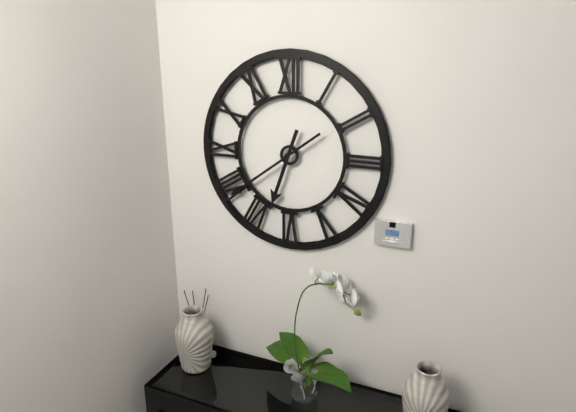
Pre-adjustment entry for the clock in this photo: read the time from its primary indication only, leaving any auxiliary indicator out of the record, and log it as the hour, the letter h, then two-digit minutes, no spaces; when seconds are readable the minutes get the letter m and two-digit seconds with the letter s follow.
6h39
